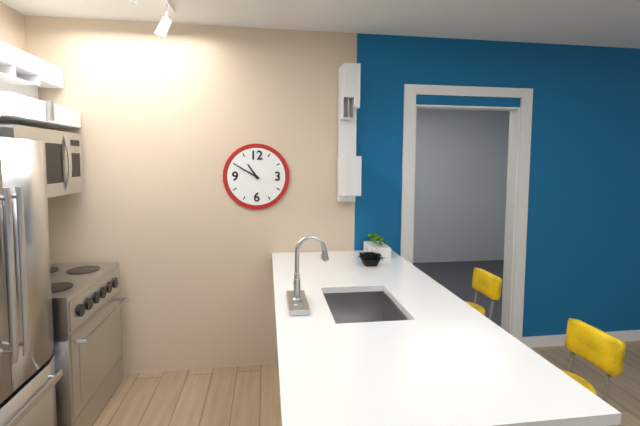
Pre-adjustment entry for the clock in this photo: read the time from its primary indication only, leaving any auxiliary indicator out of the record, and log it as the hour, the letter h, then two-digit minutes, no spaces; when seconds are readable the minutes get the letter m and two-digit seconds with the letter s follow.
10h50
